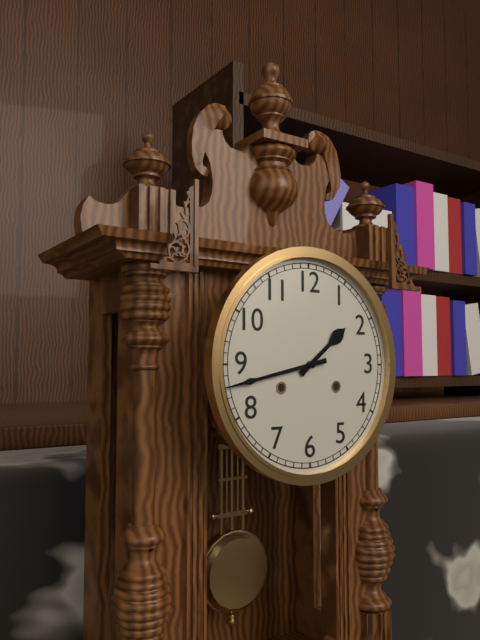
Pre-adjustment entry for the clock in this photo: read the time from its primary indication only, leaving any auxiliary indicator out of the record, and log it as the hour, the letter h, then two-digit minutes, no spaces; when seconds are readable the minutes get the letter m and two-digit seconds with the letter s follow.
1h43
